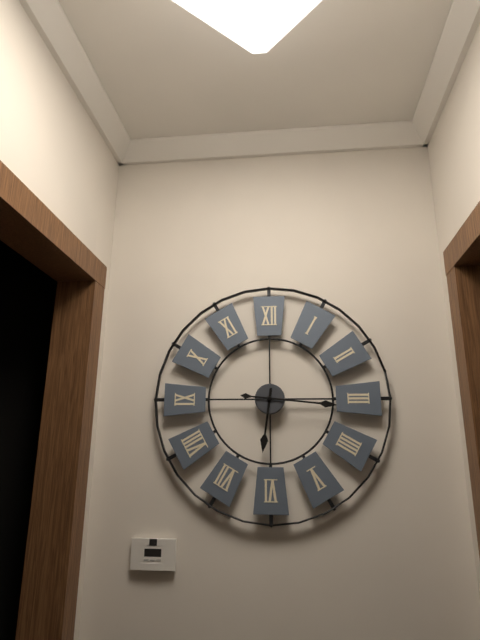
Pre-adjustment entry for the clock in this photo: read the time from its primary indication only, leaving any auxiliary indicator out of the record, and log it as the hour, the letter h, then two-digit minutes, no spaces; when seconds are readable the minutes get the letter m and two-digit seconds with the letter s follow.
6h16
